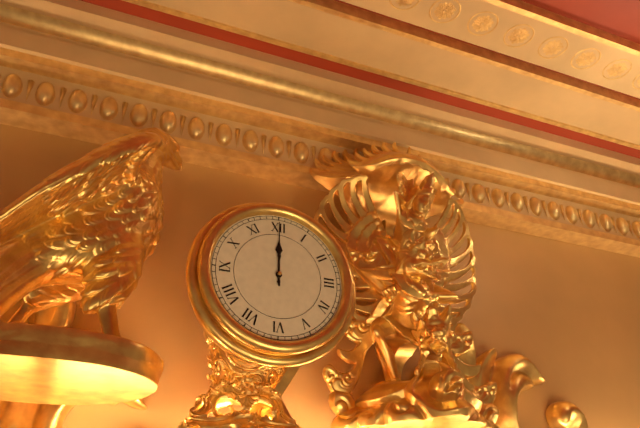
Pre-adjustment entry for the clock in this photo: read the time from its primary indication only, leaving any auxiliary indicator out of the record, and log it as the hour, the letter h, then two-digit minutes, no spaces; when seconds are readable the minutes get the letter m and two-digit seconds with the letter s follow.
12h00
